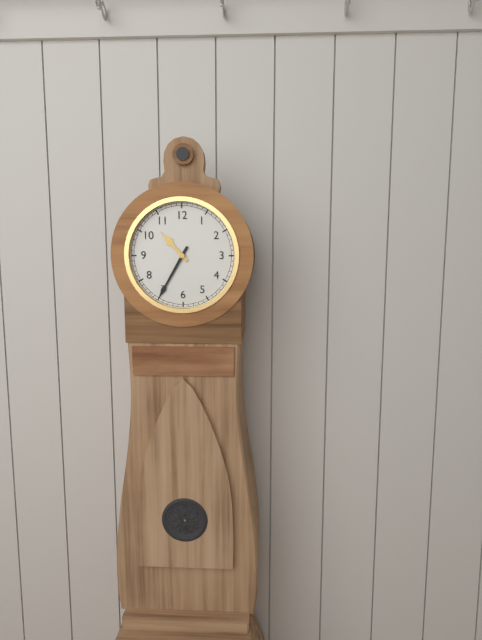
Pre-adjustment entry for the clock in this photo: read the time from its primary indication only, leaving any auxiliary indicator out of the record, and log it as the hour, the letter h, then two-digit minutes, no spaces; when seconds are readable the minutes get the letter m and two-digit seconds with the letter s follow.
10h35
